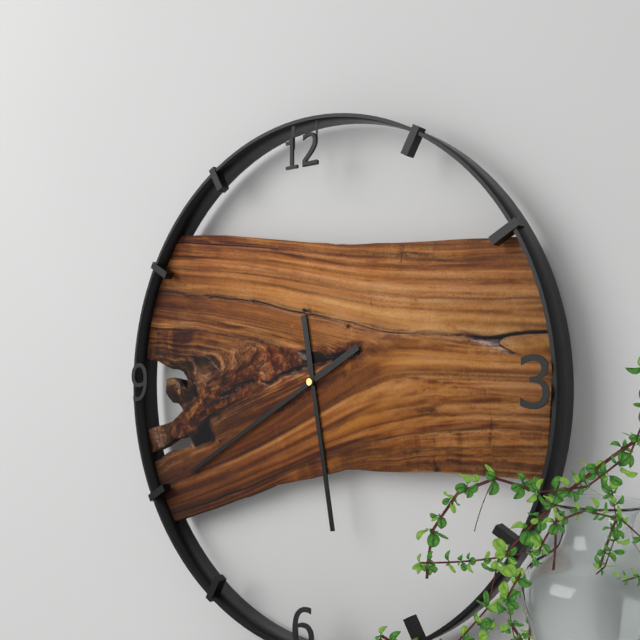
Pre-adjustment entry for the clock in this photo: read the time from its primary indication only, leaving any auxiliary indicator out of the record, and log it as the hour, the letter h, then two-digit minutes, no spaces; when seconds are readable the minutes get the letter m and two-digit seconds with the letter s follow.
5h40
